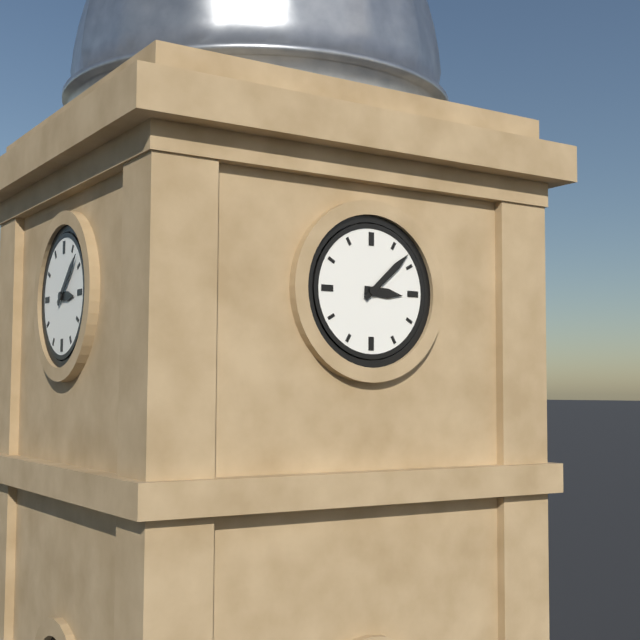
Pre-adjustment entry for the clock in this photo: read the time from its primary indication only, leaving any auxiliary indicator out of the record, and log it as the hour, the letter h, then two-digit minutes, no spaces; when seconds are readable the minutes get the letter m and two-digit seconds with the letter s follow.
3h08
